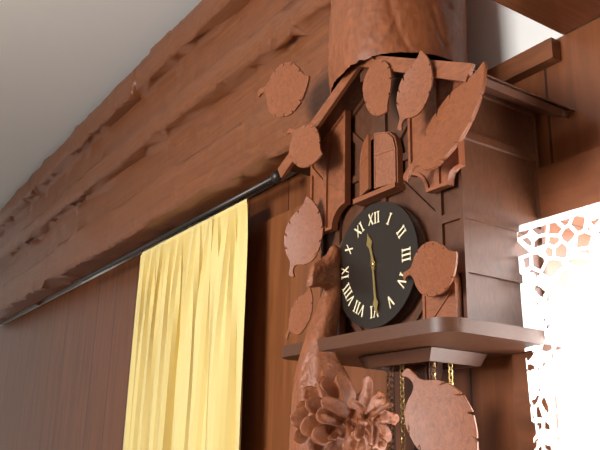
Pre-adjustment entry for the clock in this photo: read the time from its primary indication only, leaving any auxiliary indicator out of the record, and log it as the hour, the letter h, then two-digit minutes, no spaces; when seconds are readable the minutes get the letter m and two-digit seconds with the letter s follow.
11h29
